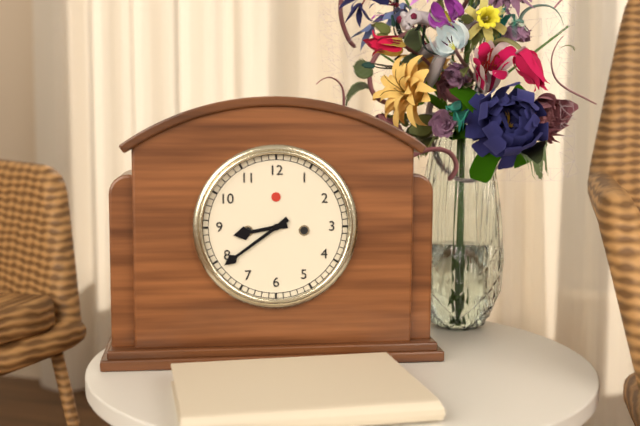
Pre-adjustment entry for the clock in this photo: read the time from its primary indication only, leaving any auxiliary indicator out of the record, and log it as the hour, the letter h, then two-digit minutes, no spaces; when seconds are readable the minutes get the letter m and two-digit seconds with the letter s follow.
8h39
